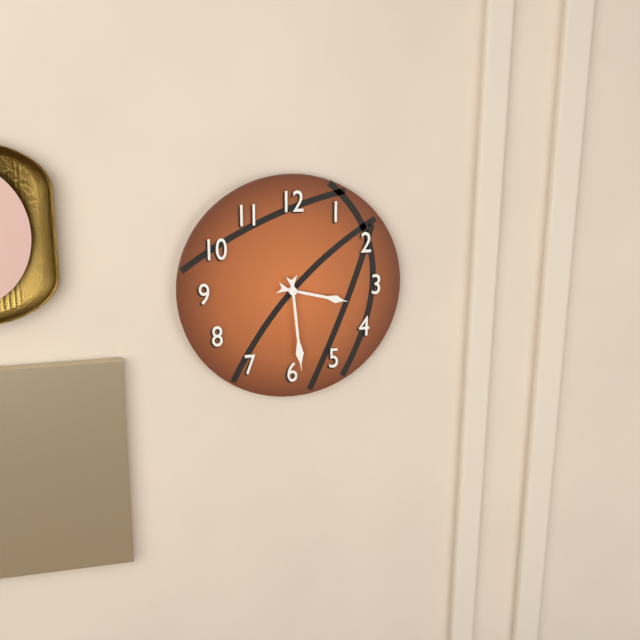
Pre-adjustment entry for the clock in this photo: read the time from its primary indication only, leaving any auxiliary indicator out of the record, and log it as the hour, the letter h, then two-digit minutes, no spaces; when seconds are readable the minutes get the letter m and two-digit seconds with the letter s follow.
3h29
